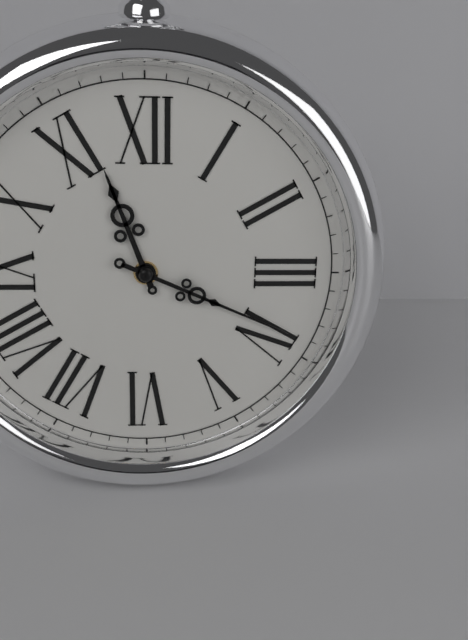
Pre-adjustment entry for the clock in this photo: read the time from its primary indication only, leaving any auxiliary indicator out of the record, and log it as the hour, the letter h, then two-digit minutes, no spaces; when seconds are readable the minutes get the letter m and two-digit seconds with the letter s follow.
11h19
